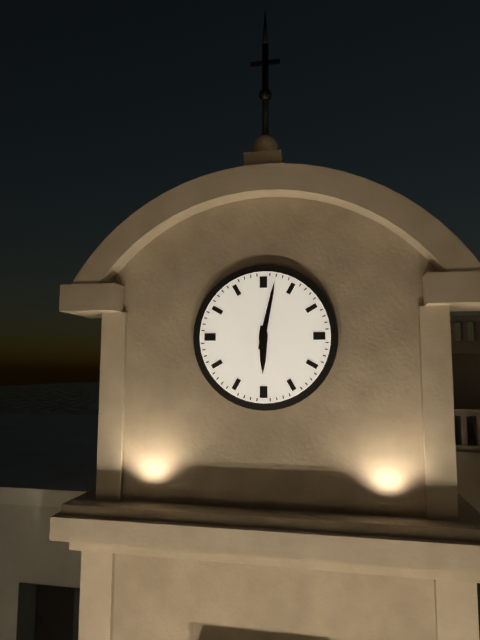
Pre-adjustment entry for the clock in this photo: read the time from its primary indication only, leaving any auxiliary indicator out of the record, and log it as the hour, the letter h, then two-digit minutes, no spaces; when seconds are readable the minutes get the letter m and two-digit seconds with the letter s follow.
6h02
